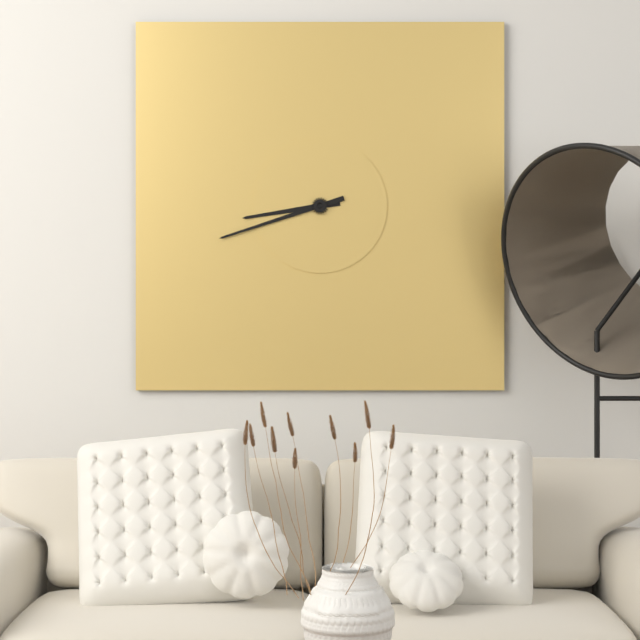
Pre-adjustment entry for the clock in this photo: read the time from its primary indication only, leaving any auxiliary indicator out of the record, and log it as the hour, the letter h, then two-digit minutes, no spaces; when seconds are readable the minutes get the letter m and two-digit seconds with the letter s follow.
8h42
